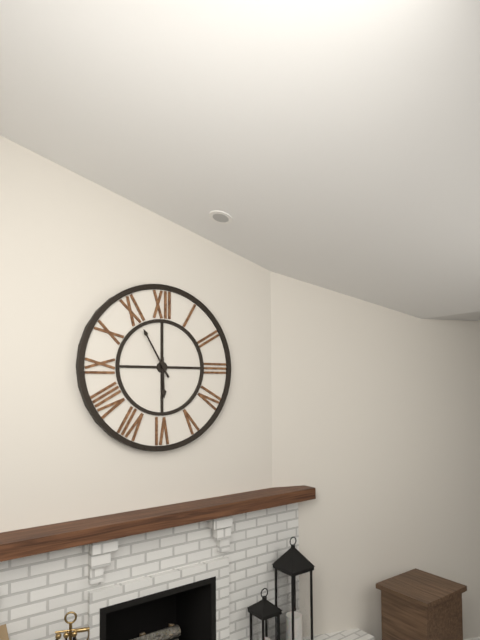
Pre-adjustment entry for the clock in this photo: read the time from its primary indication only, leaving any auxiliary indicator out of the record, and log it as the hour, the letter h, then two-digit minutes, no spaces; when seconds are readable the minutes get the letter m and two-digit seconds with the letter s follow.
5h55
